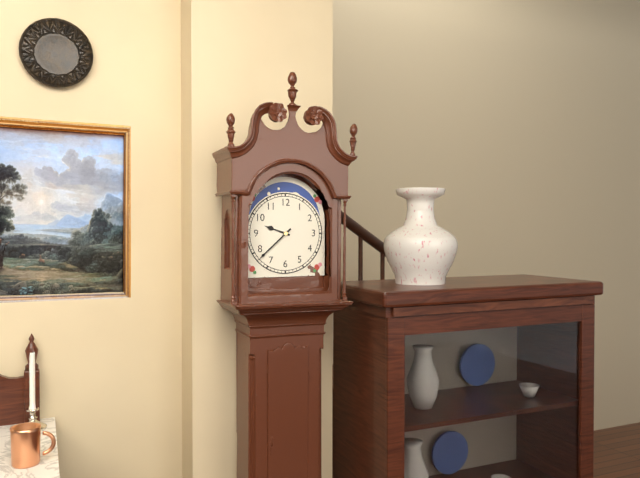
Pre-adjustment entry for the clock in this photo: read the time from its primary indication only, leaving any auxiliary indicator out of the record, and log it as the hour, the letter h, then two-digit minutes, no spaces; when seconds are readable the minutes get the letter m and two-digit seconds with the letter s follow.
9h38
